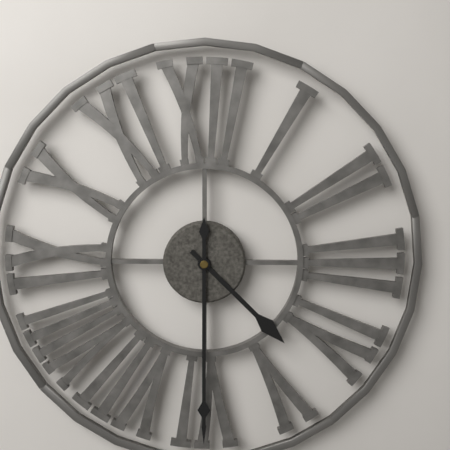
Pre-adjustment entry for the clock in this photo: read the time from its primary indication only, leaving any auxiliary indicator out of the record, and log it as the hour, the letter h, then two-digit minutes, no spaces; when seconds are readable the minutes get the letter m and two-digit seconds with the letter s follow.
4h30
